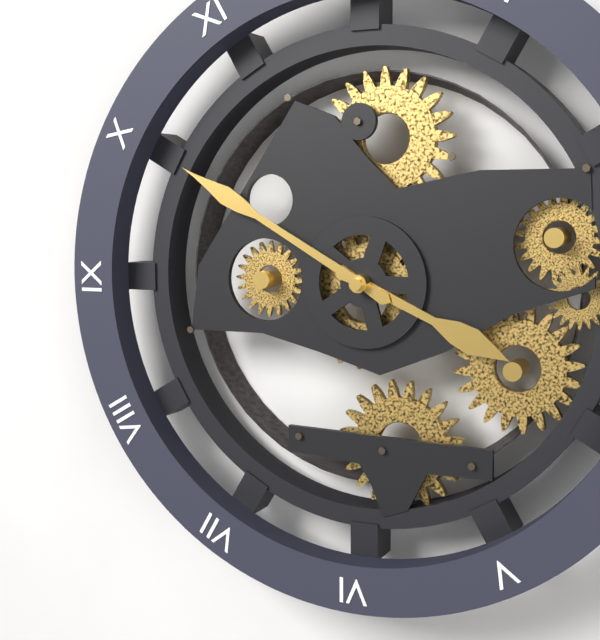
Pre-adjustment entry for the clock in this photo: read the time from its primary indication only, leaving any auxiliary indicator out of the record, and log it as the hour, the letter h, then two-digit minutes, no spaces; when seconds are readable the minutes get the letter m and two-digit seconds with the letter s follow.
3h50
